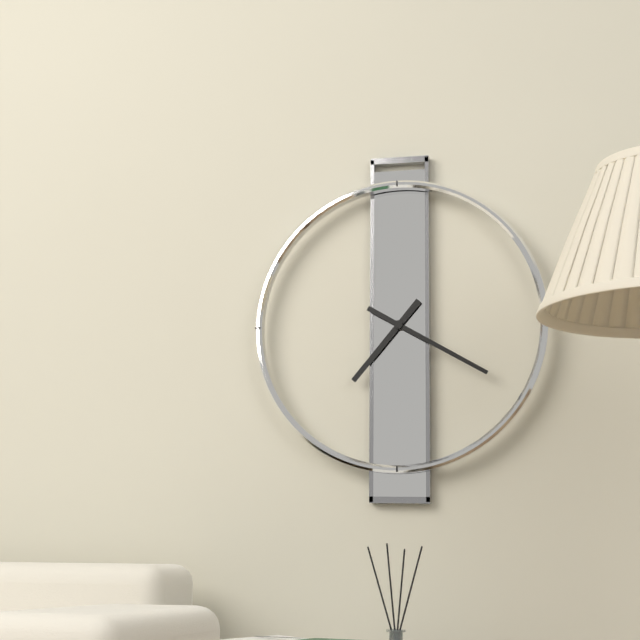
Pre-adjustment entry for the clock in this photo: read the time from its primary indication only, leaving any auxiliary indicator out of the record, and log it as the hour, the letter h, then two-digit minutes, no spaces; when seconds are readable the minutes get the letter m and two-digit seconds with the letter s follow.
7h20
